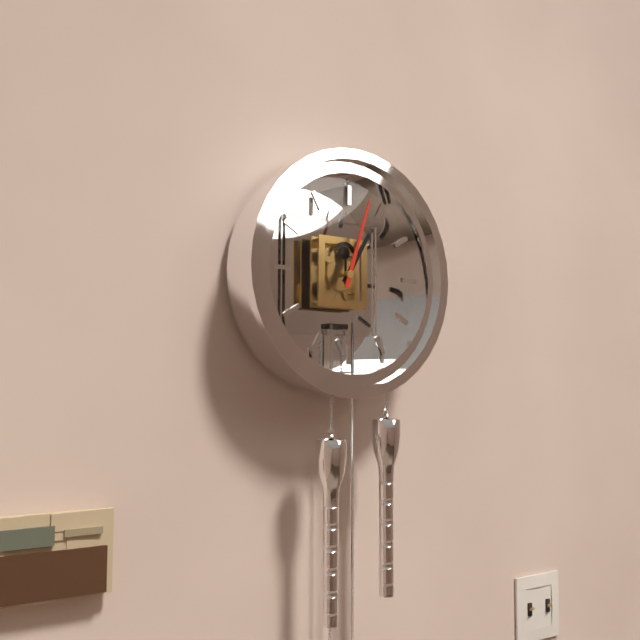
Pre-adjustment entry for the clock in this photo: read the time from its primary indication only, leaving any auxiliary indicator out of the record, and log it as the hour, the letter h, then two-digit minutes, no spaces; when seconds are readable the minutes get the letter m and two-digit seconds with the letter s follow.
1h03
